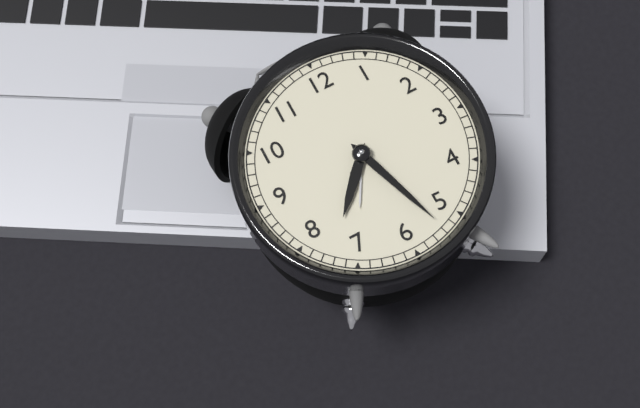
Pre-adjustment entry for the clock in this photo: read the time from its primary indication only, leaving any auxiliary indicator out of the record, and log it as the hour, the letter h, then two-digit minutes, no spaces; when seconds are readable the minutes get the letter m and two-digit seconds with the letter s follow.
7h27
